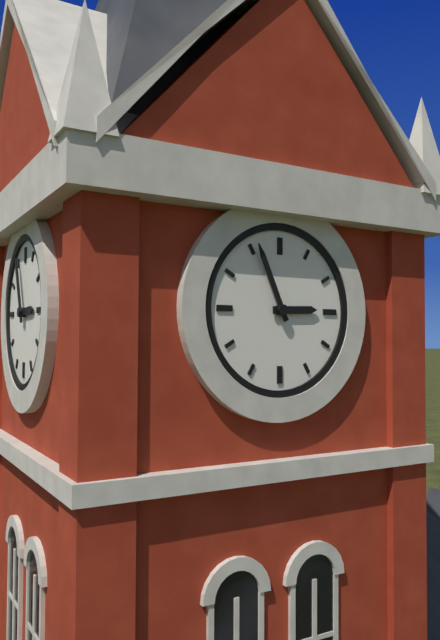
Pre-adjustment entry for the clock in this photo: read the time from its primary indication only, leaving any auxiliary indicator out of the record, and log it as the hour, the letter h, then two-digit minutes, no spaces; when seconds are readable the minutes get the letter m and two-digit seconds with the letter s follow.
2h56
